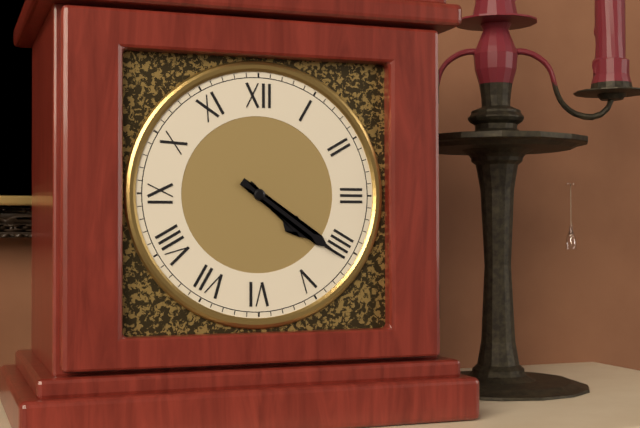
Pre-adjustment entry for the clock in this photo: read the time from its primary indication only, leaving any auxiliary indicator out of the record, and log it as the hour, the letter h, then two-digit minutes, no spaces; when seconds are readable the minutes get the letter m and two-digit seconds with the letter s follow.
4h21
